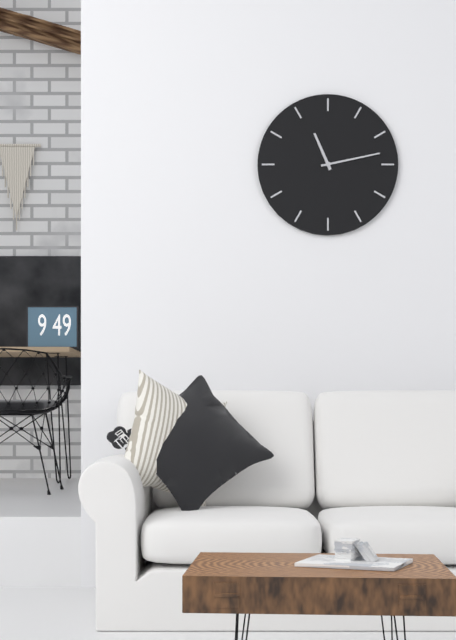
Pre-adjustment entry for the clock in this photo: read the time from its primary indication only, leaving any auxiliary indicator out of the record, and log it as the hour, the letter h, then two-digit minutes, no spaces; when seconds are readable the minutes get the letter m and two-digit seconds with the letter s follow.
11h13
